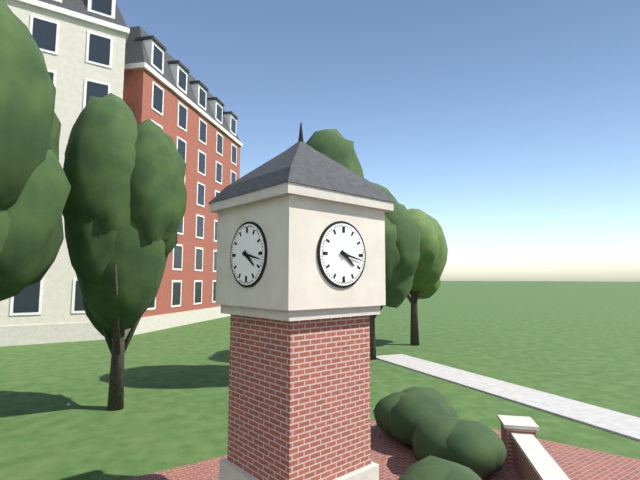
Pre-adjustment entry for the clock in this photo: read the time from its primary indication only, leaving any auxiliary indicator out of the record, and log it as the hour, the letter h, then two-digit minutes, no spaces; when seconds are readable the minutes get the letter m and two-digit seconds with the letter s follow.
4h17
